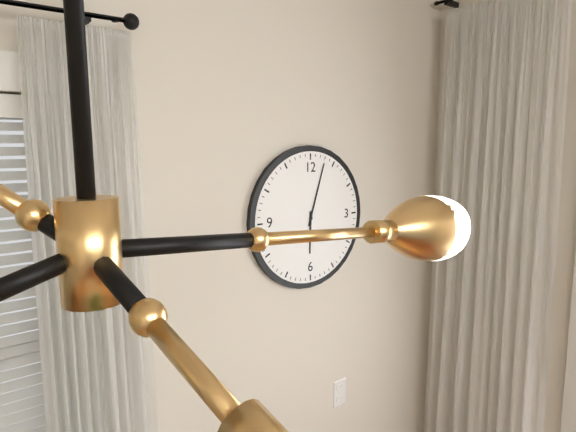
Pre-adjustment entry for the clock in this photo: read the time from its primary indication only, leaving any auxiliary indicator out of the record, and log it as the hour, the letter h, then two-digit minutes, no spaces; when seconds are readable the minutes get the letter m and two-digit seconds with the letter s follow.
6h03
